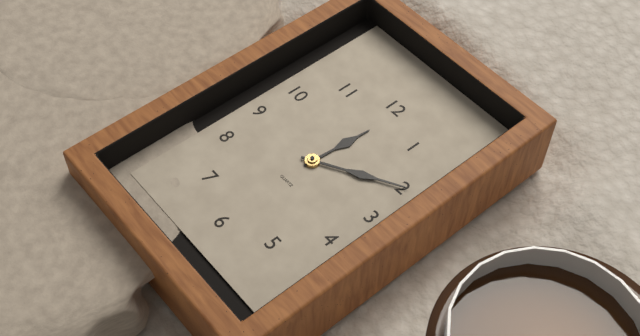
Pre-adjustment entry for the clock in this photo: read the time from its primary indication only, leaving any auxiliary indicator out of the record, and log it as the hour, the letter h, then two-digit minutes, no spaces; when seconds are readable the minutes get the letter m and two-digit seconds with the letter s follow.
12h10
